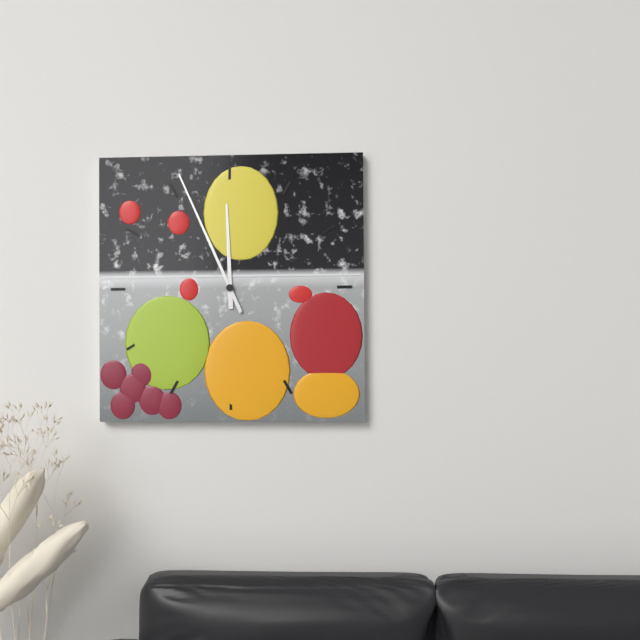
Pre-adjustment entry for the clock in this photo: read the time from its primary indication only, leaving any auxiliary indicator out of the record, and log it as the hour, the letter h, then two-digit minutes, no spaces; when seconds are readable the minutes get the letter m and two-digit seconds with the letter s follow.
11h56
